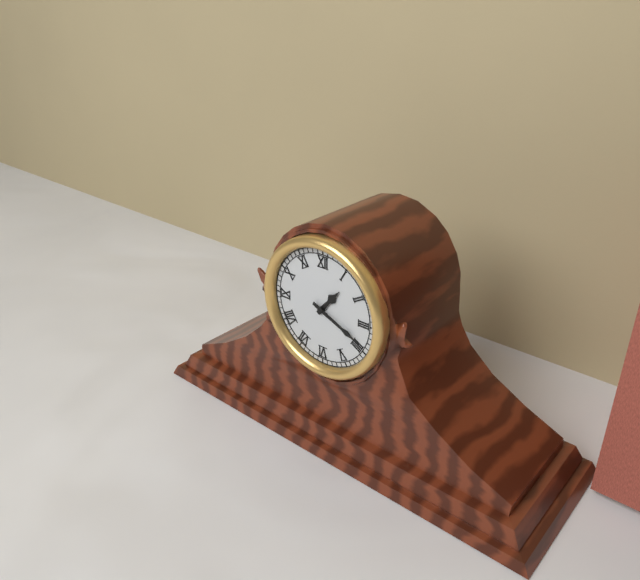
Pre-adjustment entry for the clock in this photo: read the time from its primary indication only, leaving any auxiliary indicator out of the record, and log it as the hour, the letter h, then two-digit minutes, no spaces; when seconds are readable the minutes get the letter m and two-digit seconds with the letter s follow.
1h19
